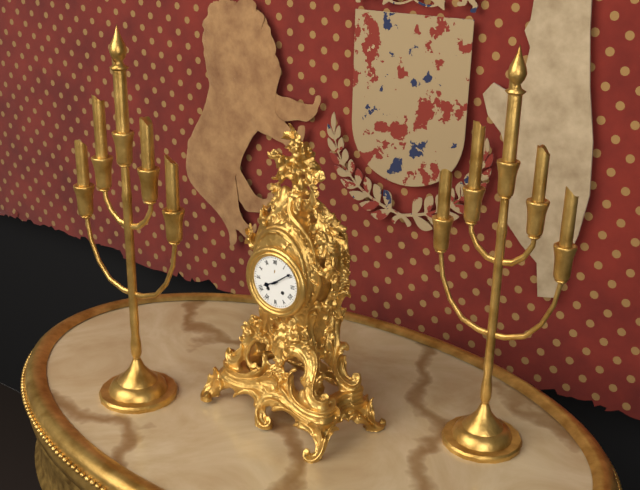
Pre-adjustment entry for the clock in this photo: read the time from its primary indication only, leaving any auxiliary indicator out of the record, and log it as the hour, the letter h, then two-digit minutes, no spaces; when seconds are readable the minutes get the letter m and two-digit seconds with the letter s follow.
8h09
